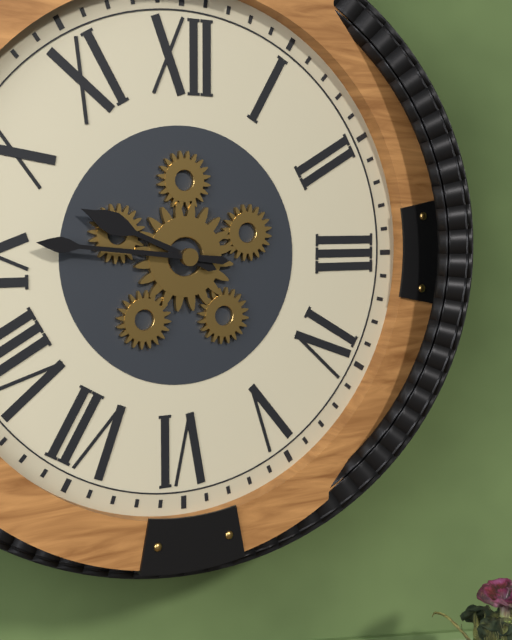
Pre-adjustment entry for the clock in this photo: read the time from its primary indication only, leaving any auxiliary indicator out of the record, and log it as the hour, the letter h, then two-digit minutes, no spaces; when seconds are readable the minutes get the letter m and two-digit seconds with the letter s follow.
9h46
